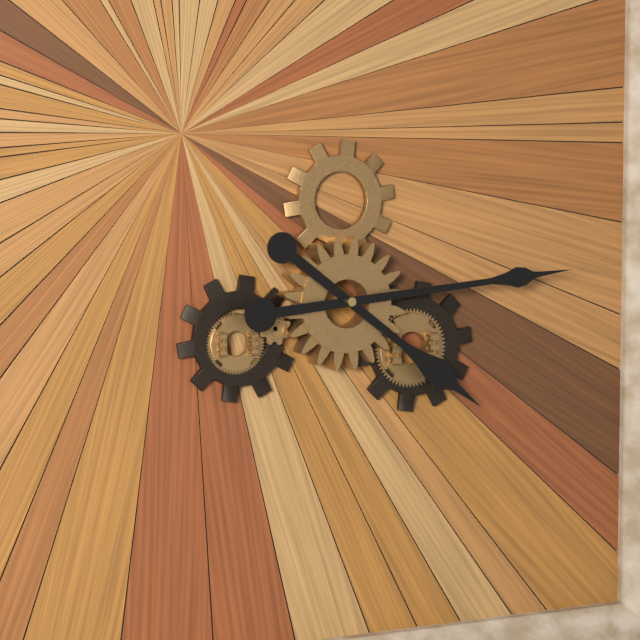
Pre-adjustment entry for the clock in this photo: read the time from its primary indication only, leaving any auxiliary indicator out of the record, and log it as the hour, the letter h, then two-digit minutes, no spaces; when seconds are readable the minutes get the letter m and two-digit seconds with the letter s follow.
4h14
